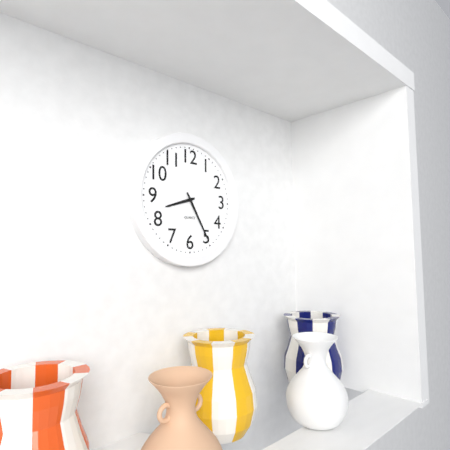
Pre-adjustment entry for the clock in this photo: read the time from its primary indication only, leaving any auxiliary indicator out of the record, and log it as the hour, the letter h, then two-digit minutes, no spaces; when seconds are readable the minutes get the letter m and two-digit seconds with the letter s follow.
8h25
